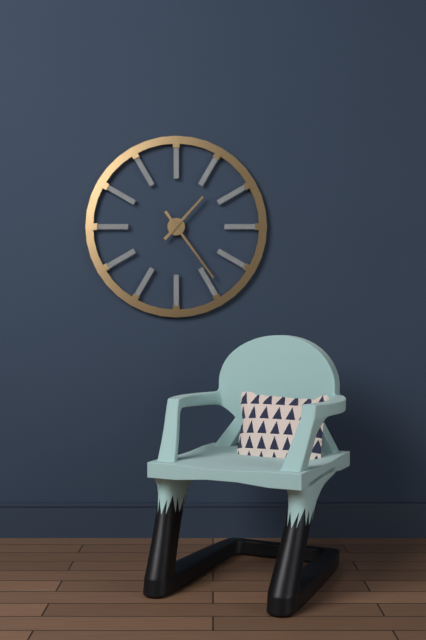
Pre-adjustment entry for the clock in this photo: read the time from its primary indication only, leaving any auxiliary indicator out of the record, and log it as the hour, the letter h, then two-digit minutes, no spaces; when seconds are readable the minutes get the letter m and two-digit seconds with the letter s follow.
1h24
